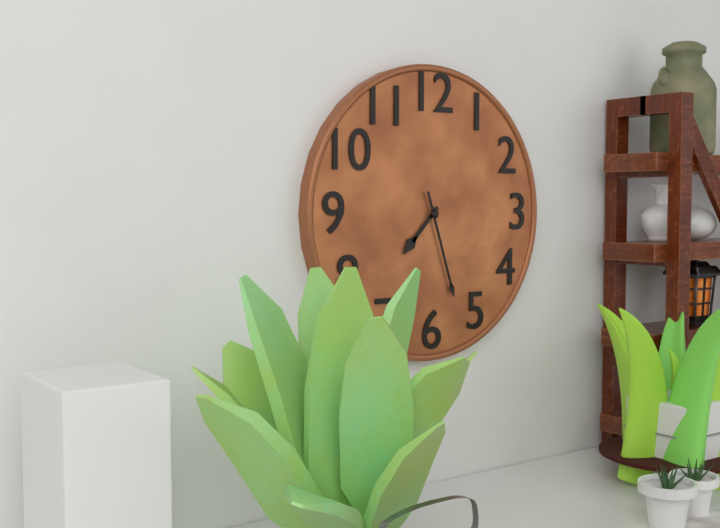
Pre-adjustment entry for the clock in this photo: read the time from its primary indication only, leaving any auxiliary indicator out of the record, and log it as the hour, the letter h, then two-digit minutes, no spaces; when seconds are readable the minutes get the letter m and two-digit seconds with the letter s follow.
7h27
